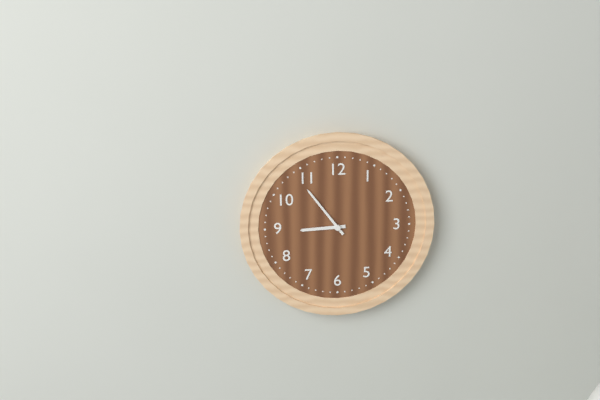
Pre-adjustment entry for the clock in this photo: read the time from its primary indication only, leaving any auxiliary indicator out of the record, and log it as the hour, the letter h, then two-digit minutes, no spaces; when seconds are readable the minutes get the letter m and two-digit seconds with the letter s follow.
8h54
